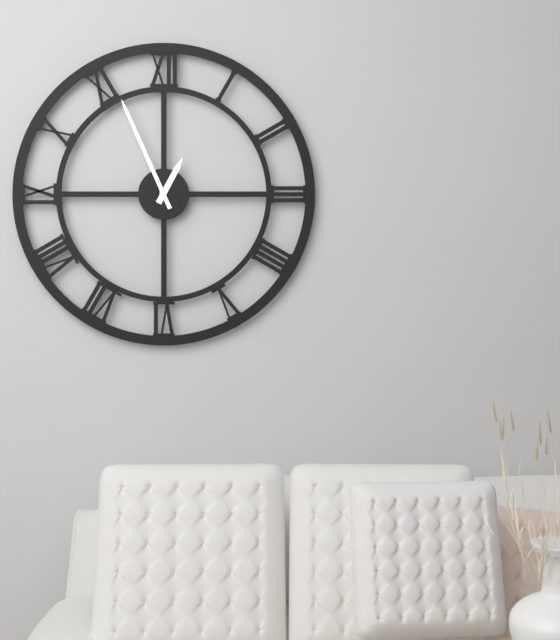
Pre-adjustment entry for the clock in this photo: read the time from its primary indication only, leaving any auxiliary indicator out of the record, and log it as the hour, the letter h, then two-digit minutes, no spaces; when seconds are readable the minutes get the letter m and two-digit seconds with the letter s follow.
12h56
